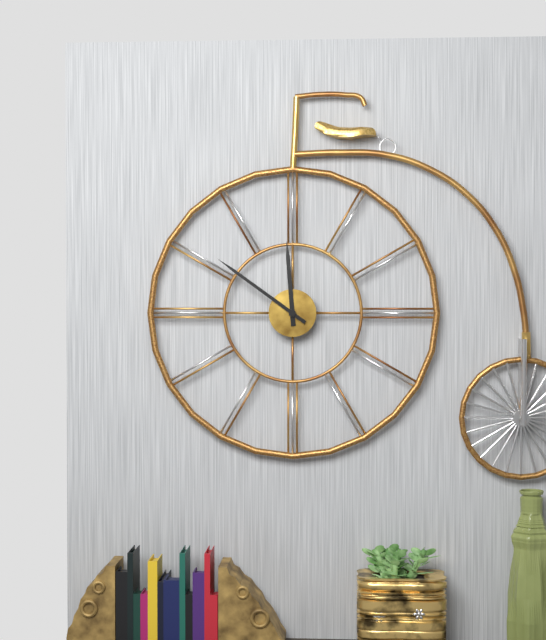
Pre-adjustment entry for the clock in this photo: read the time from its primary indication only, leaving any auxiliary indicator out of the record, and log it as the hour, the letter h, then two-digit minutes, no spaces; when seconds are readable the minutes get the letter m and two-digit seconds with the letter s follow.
11h51
